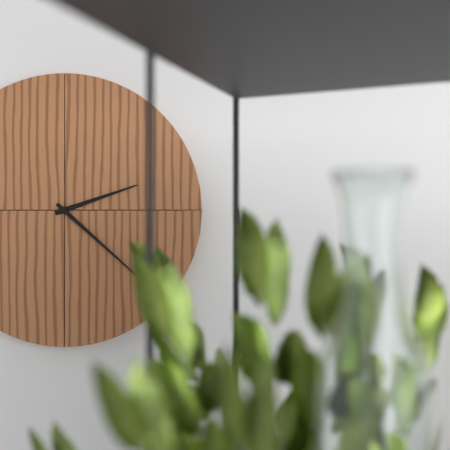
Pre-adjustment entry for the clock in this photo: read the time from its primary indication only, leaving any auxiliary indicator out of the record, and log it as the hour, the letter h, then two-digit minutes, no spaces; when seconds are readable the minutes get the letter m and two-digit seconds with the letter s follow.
2h22
